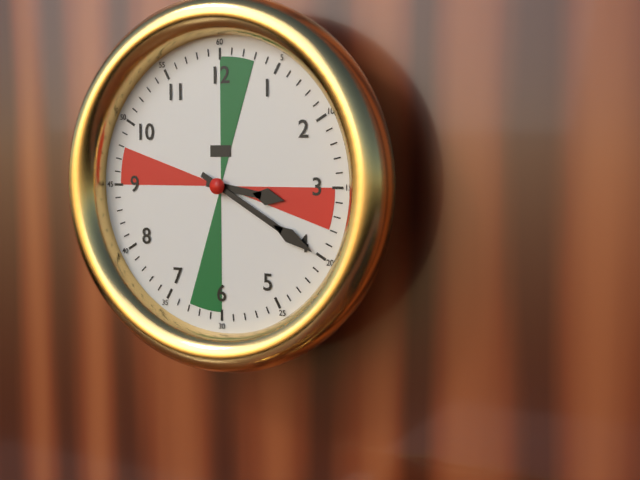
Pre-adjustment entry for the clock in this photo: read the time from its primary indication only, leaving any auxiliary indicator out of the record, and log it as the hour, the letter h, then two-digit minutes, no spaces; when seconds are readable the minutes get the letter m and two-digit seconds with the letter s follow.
3h20
